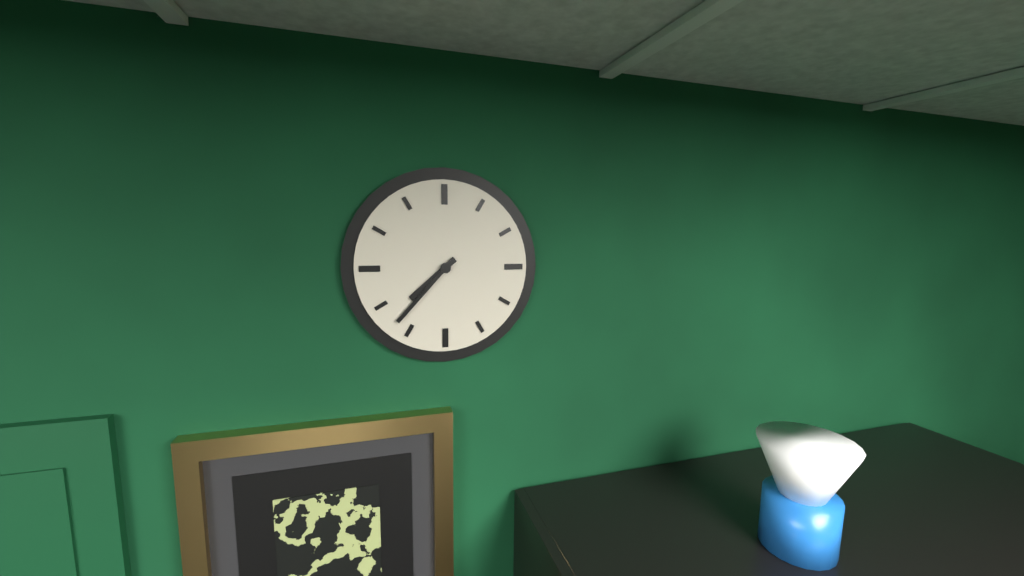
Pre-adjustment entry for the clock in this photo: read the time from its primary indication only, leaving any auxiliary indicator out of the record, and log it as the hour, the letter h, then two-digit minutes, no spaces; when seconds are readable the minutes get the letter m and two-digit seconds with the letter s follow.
7h37
